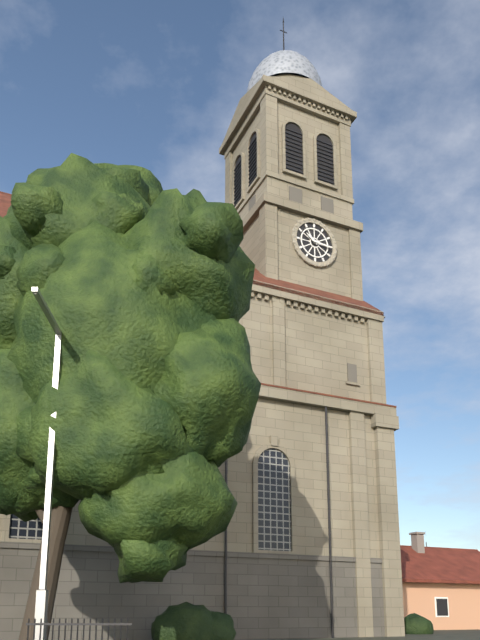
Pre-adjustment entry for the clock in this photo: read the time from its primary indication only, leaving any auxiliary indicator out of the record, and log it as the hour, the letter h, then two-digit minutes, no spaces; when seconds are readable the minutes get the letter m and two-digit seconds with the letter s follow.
10h16
